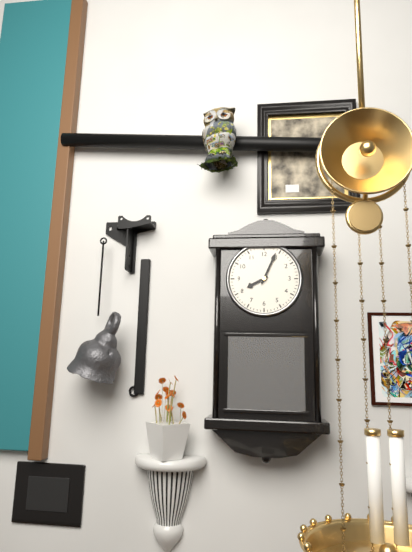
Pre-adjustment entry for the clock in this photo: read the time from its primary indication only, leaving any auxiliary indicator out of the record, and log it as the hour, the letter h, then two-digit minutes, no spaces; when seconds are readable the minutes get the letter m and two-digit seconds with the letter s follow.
8h04
